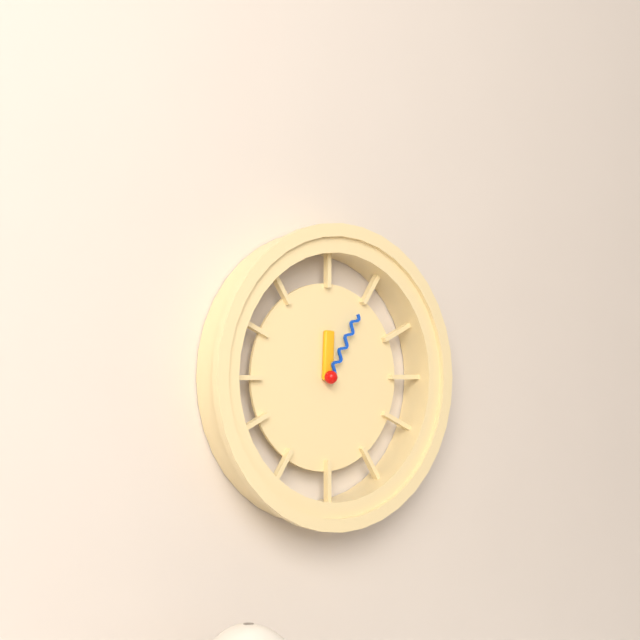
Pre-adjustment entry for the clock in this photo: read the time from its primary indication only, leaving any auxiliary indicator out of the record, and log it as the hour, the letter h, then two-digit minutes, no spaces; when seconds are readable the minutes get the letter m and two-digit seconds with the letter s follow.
12h05
